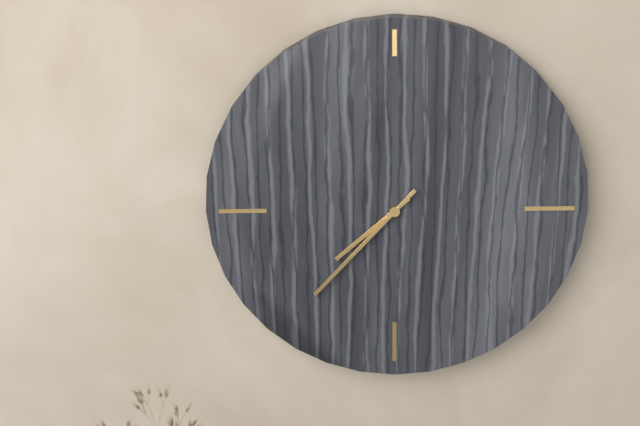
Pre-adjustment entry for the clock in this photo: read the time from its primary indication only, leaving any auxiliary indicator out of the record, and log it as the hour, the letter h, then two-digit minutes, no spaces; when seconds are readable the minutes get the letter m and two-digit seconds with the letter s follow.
7h37
